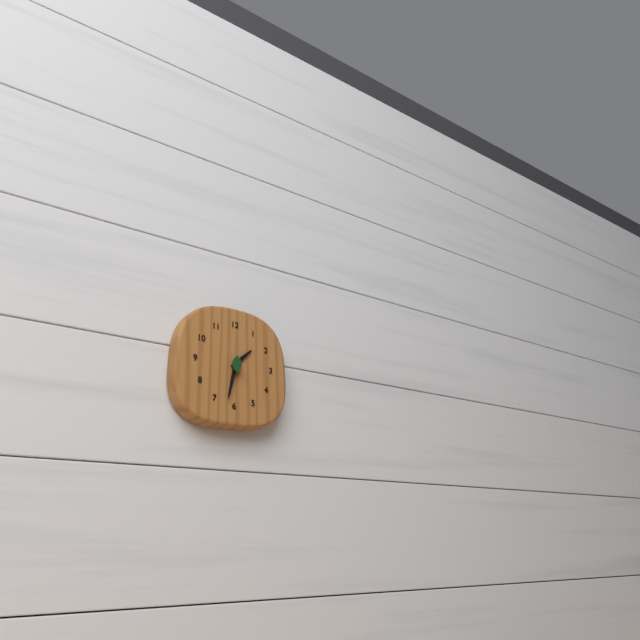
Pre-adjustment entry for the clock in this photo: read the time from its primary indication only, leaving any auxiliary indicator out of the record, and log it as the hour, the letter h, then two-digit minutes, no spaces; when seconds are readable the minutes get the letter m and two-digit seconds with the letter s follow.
1h32
